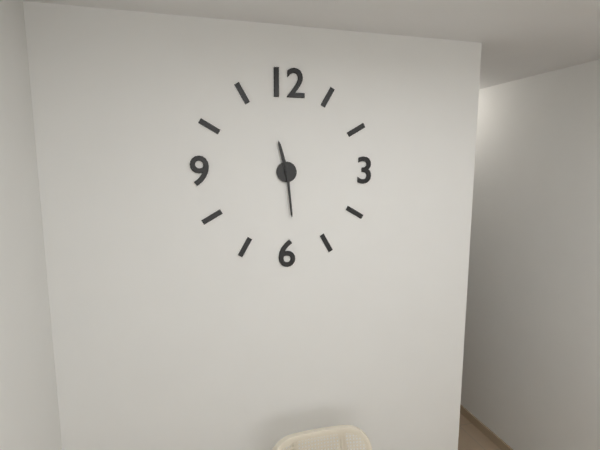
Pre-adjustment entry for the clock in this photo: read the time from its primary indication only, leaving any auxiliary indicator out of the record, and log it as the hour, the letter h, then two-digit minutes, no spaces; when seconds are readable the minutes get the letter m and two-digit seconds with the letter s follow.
11h29
